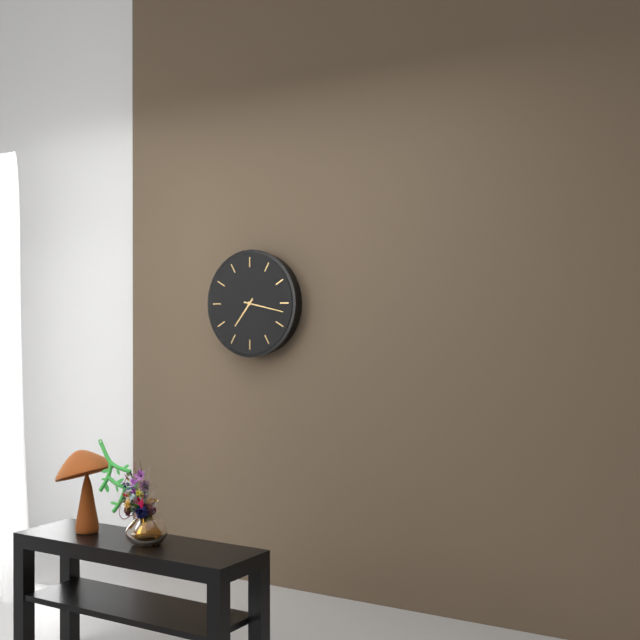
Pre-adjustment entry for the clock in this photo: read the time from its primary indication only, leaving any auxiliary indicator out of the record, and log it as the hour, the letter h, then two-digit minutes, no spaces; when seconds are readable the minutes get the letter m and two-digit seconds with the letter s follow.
7h17
